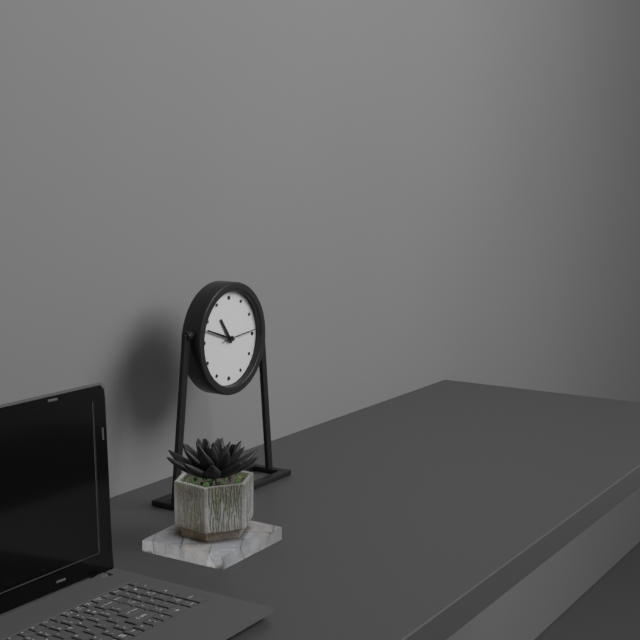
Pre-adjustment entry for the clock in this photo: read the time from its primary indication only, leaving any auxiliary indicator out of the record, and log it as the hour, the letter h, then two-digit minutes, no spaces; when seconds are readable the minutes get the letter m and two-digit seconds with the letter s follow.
10h48
